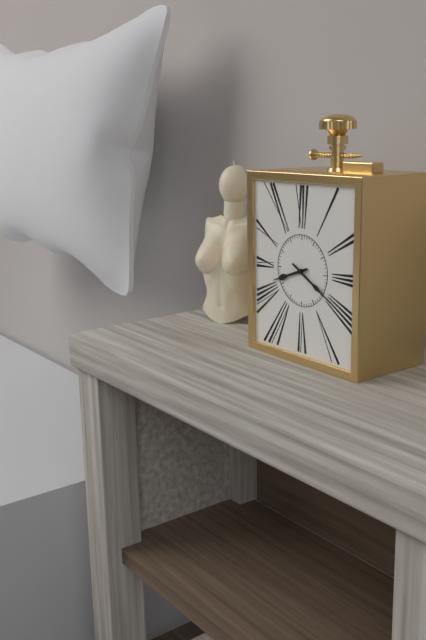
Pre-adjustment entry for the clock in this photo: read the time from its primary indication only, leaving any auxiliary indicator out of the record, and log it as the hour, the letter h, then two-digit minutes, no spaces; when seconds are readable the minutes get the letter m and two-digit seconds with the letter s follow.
8h20
